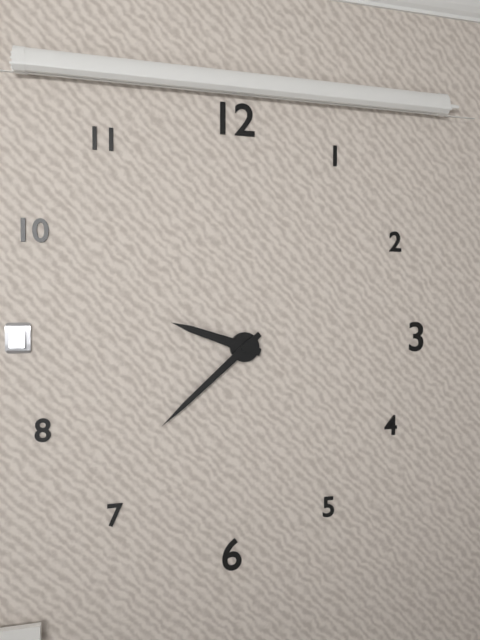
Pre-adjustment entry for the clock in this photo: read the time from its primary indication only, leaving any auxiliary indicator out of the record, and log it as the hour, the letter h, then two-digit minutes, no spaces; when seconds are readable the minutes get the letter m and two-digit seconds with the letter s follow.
9h38
